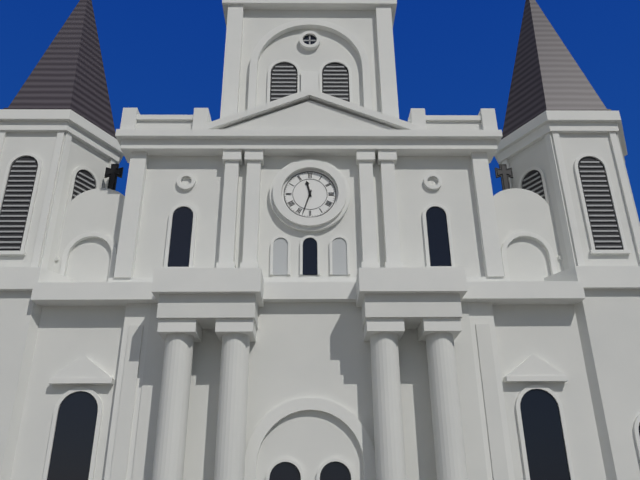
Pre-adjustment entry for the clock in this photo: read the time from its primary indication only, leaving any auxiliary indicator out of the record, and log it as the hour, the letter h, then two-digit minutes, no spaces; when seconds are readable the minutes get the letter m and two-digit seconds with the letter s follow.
11h33
